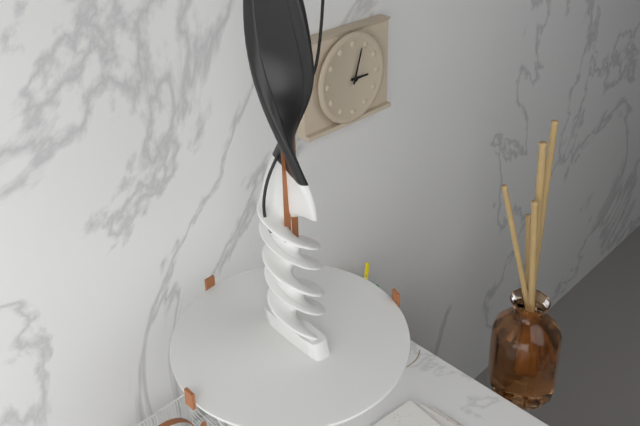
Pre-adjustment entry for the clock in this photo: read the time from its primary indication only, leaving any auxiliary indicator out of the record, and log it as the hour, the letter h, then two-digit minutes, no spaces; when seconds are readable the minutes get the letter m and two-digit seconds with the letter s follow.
3h03
